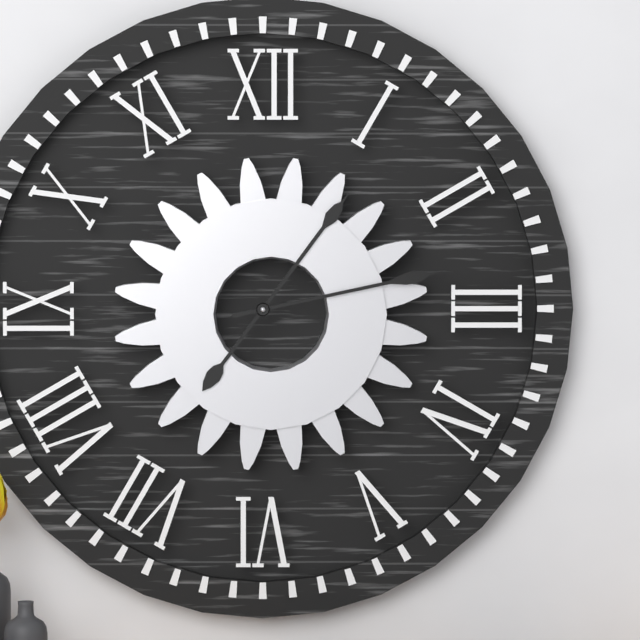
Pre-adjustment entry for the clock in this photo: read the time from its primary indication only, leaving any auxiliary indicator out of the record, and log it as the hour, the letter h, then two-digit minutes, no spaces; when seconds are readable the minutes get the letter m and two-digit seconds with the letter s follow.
1h13
